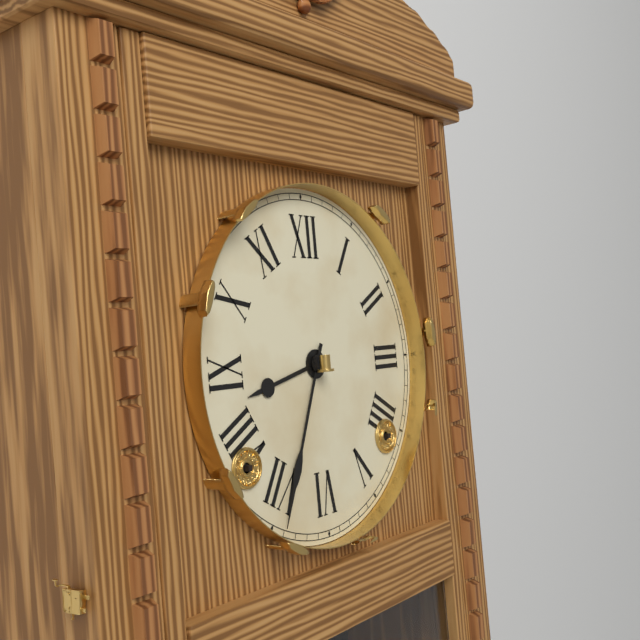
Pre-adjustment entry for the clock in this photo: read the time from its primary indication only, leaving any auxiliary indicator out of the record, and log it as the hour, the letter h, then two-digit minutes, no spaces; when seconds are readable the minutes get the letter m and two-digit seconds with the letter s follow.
8h34
